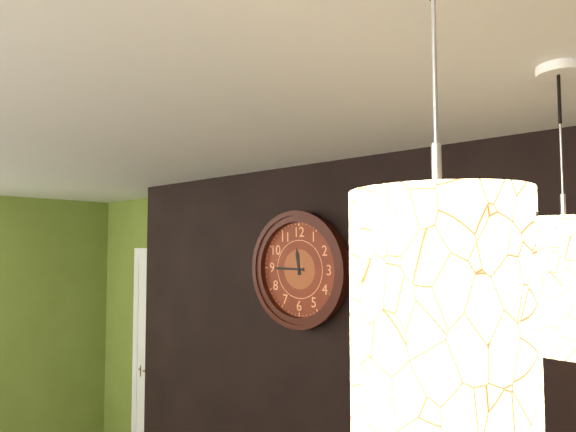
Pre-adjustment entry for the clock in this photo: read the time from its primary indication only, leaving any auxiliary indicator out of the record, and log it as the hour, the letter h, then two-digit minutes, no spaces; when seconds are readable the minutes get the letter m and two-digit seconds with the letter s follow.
11h45
